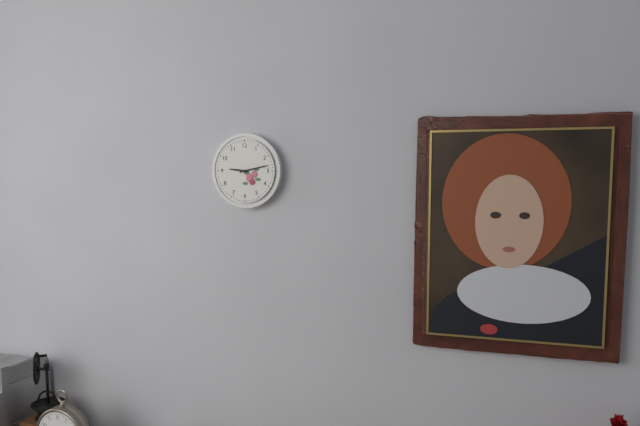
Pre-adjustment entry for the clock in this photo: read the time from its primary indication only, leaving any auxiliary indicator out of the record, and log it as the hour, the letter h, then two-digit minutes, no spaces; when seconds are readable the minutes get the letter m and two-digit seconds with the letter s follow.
9h13
